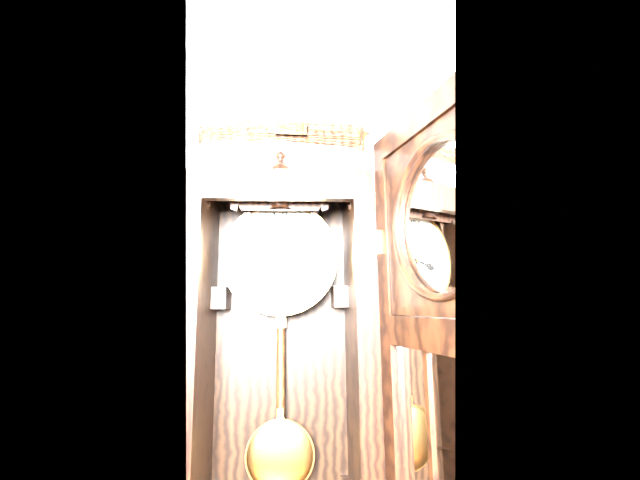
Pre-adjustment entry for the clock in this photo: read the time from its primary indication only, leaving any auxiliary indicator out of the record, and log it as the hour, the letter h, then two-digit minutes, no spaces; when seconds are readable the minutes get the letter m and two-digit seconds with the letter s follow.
8h24
